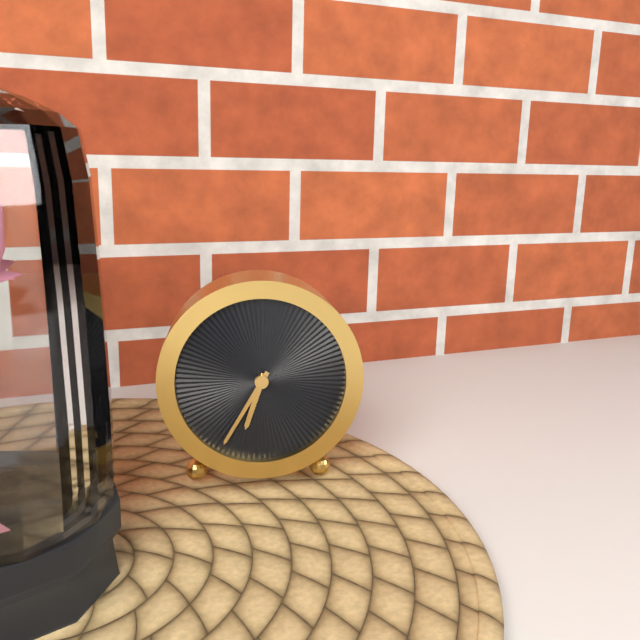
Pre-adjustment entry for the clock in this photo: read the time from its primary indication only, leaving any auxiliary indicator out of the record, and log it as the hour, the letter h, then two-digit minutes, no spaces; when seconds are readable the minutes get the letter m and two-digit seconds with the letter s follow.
6h35
